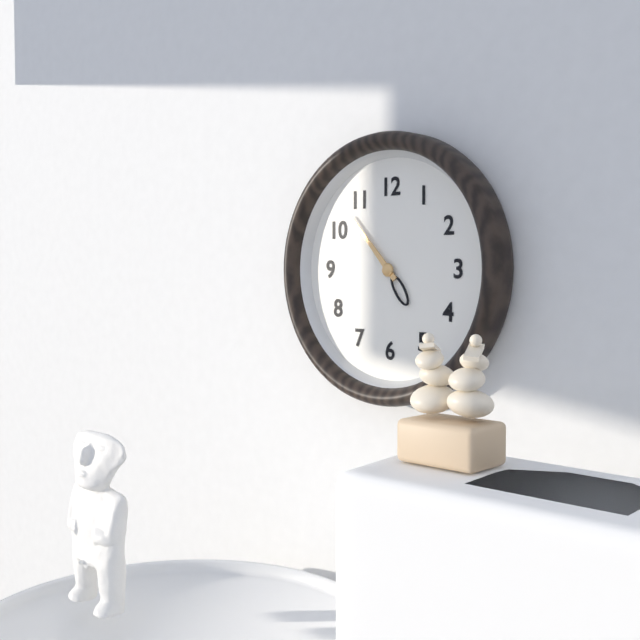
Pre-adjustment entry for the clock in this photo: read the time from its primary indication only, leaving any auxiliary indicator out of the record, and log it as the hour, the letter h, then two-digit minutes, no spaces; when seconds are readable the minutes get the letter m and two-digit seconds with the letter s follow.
4h53
